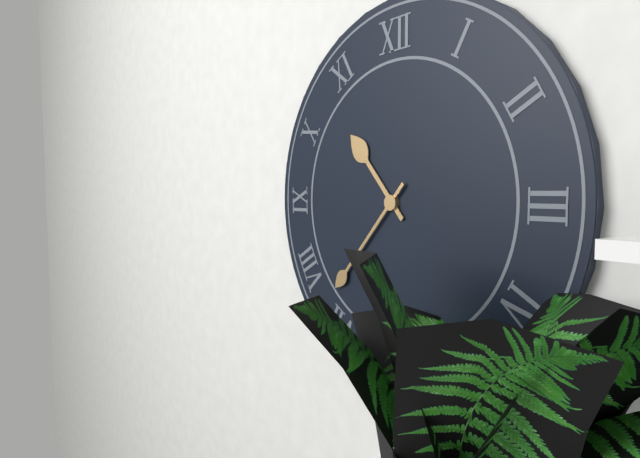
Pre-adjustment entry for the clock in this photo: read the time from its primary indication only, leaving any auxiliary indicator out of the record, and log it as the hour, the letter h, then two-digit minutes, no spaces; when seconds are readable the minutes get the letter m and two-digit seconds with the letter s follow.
10h37
